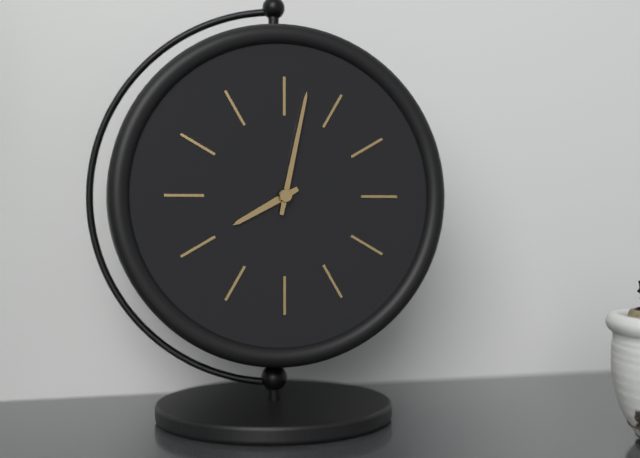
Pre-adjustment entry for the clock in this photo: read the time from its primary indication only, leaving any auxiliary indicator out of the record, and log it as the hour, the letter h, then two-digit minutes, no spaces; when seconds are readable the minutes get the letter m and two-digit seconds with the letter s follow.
8h02
